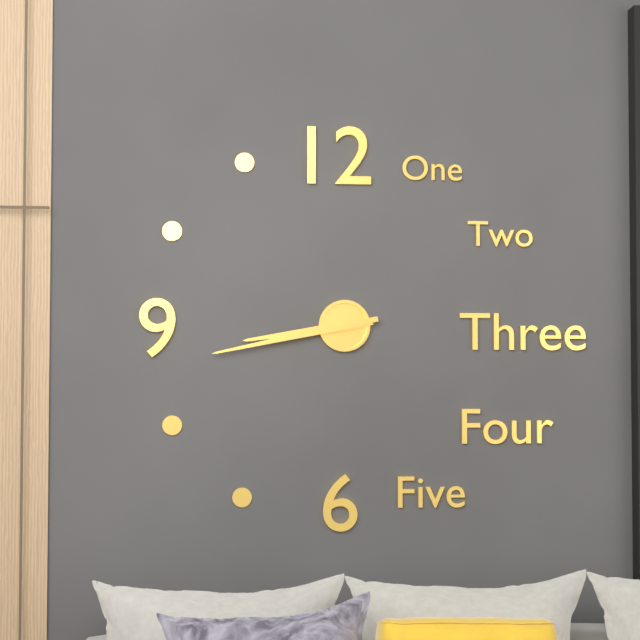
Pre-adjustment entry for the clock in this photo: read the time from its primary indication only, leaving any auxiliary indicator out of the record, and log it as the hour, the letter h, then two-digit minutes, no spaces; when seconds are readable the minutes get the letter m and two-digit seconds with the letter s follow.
8h43
